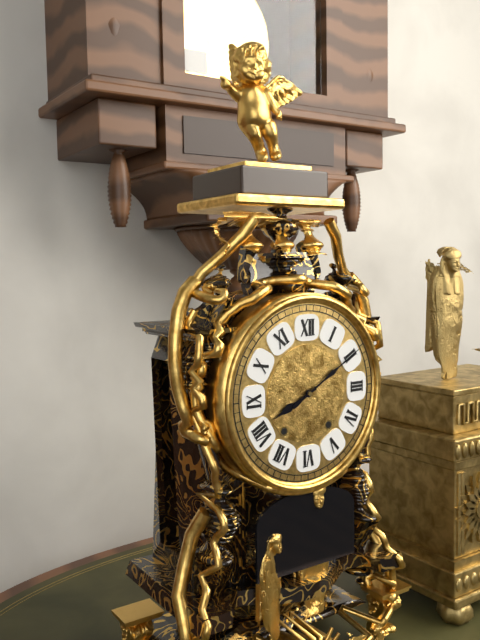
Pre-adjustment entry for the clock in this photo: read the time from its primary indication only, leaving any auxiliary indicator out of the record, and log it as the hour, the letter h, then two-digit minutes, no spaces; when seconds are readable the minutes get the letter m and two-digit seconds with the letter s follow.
8h10
